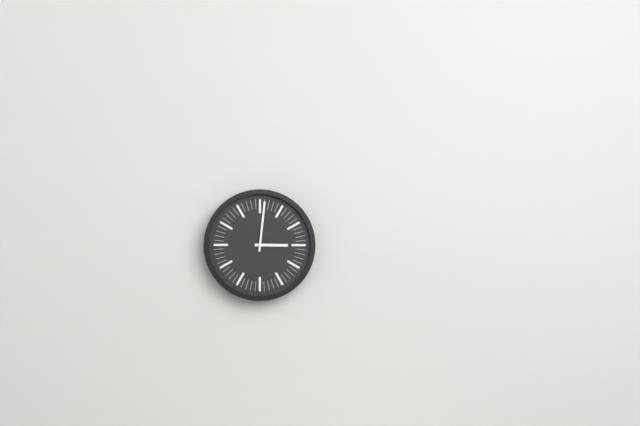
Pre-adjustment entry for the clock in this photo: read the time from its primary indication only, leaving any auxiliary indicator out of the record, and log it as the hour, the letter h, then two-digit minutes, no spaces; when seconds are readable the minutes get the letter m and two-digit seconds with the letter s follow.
3h01
